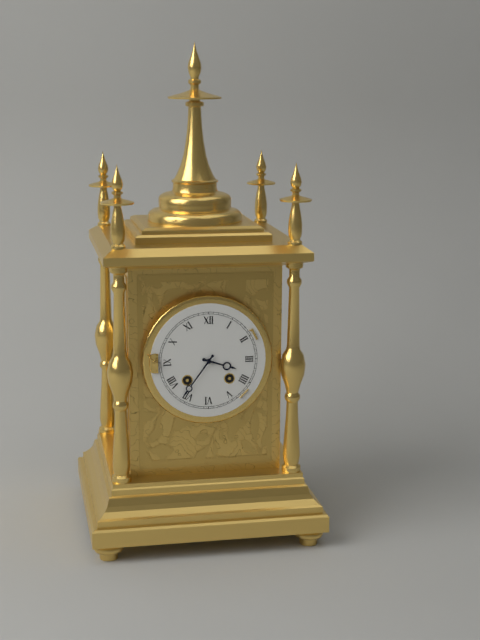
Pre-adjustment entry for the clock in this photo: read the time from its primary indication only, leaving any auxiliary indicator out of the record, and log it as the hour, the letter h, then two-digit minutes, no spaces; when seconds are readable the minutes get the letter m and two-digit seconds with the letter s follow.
3h36
